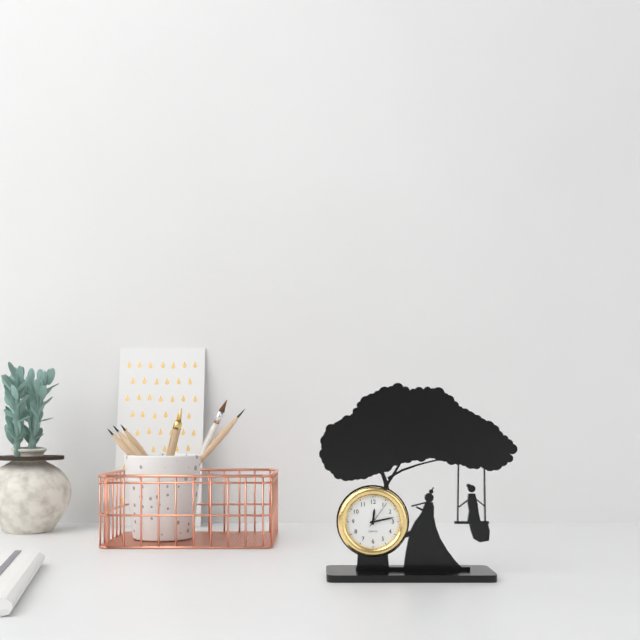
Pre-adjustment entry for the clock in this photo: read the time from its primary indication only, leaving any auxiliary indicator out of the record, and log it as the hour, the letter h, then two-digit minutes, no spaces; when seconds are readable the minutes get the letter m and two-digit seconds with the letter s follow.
12h13
